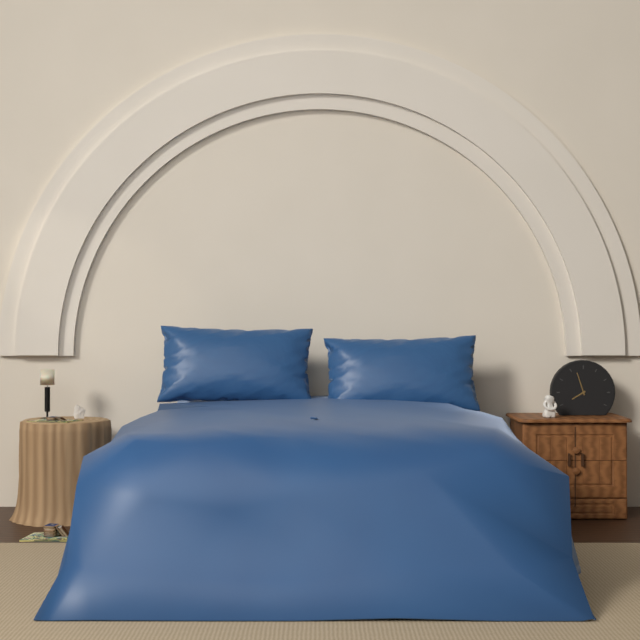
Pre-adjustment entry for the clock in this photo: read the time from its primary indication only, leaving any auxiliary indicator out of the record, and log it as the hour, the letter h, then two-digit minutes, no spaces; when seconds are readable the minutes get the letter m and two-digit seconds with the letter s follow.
7h57
